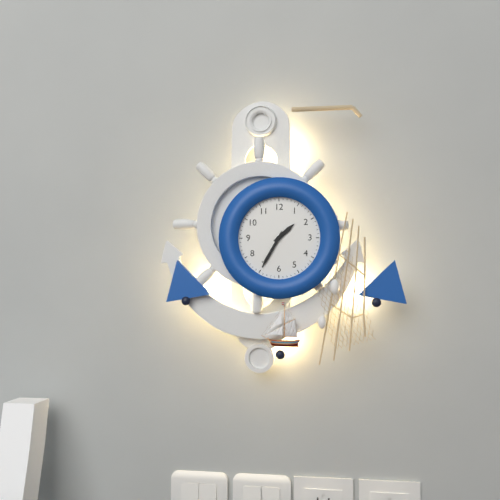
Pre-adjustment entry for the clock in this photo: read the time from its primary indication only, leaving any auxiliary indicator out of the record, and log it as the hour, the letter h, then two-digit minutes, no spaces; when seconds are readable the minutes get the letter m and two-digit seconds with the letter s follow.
1h35
